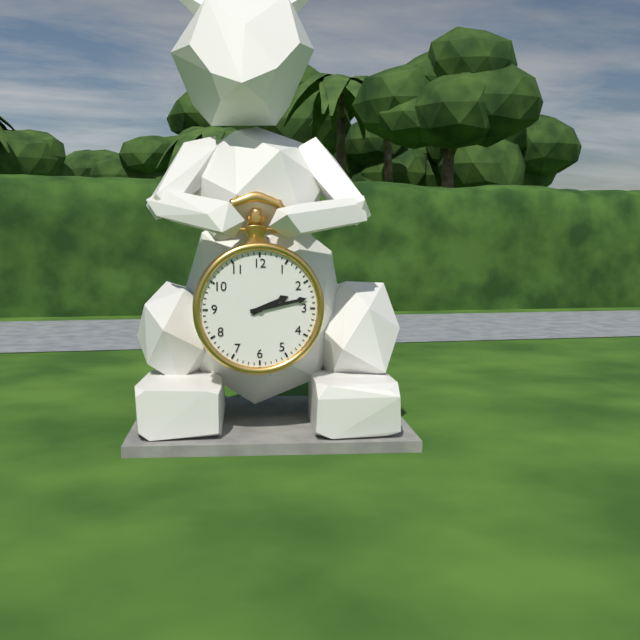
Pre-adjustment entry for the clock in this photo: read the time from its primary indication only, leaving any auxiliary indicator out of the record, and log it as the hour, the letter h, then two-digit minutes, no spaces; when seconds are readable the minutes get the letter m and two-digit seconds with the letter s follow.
2h13
